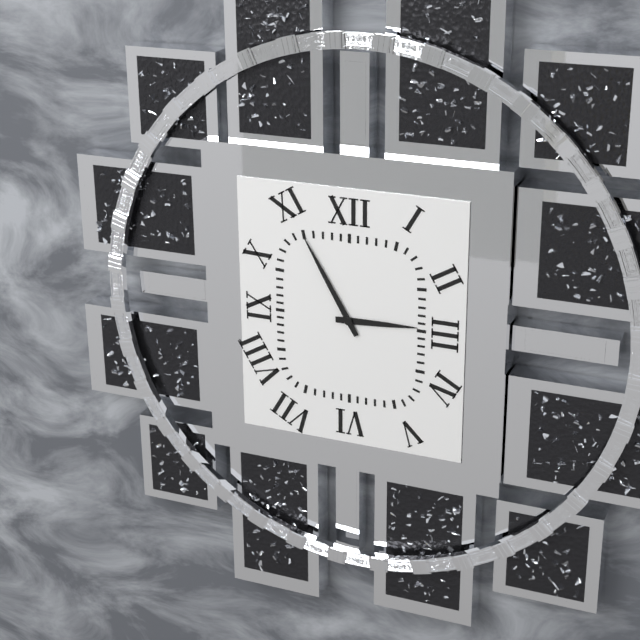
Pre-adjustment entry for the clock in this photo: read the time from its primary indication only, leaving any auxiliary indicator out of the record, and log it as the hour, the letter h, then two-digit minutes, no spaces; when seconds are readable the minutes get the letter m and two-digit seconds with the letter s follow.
2h55
